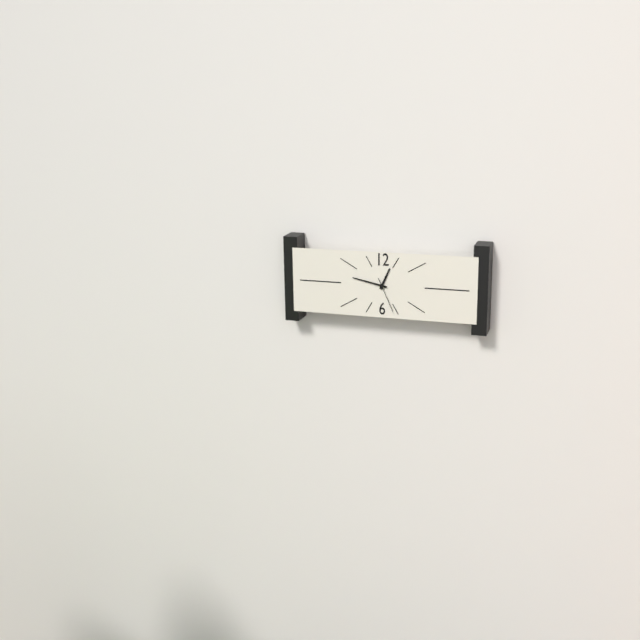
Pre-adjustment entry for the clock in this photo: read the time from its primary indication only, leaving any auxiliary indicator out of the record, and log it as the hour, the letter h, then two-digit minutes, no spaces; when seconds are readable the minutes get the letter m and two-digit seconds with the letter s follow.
12h47
